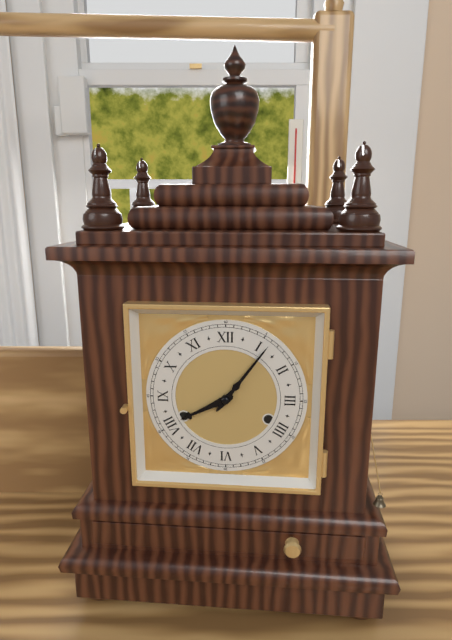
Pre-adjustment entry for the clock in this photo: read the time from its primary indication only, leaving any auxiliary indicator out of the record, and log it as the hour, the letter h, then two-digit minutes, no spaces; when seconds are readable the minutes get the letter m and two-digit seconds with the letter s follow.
8h06
